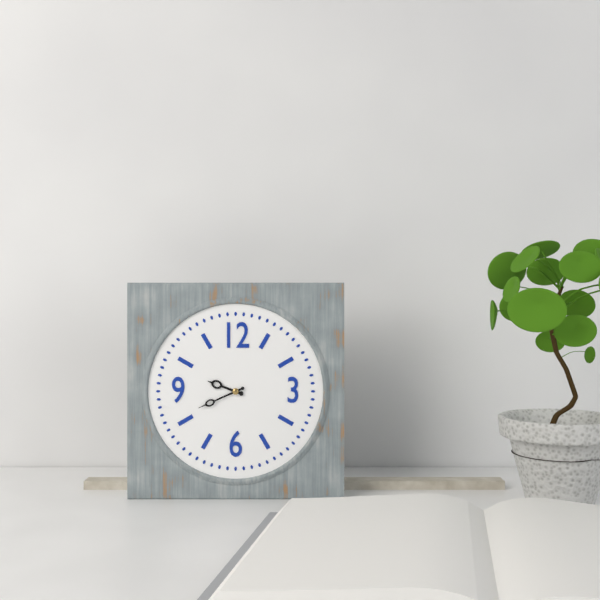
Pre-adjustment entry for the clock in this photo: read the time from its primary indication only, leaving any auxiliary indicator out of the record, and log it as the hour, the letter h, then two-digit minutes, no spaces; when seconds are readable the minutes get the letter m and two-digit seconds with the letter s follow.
9h41
